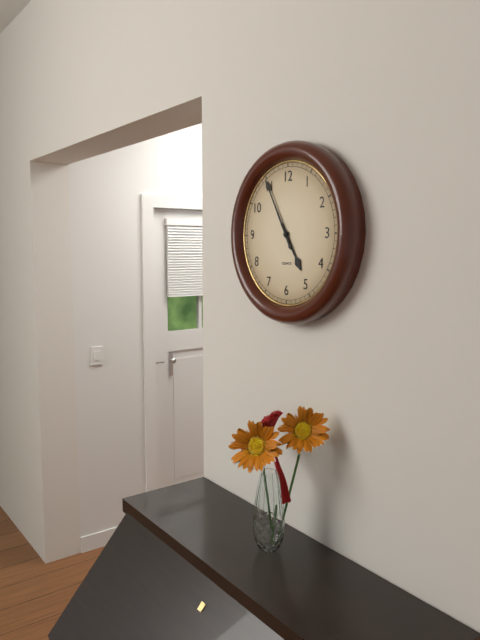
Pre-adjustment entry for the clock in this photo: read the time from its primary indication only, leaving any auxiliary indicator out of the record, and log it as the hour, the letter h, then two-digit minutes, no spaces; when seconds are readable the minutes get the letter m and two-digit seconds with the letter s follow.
4h55
